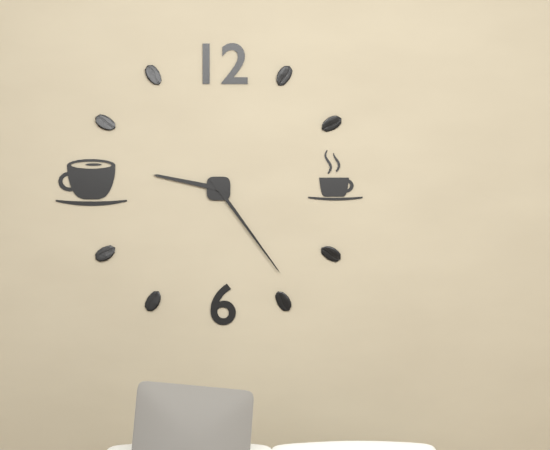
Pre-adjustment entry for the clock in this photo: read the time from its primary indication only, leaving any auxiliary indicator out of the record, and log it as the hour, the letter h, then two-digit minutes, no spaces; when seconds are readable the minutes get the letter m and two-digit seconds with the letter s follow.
9h24
